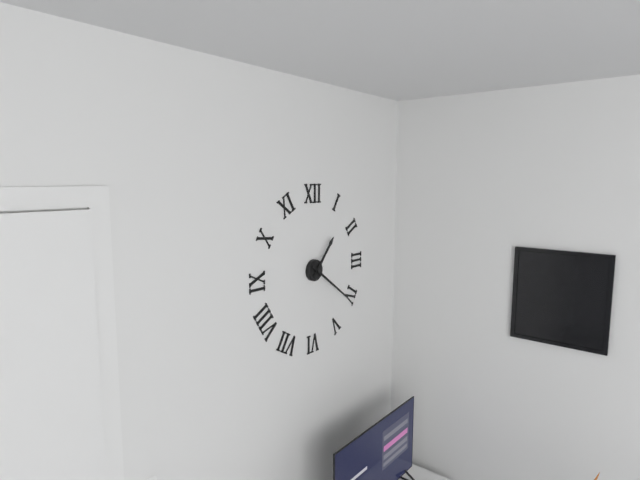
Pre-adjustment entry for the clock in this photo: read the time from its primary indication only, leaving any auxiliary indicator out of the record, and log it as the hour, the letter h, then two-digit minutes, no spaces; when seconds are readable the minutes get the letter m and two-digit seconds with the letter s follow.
1h21
